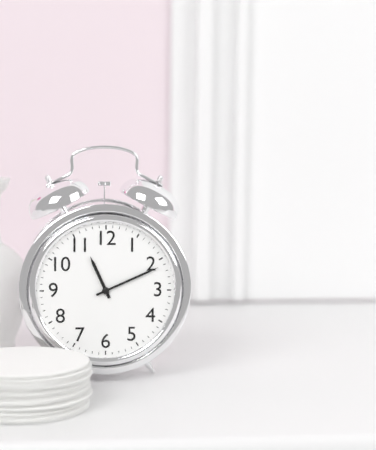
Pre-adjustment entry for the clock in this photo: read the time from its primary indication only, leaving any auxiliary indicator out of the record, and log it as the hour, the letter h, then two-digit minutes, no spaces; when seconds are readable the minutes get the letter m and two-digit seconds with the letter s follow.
11h11
